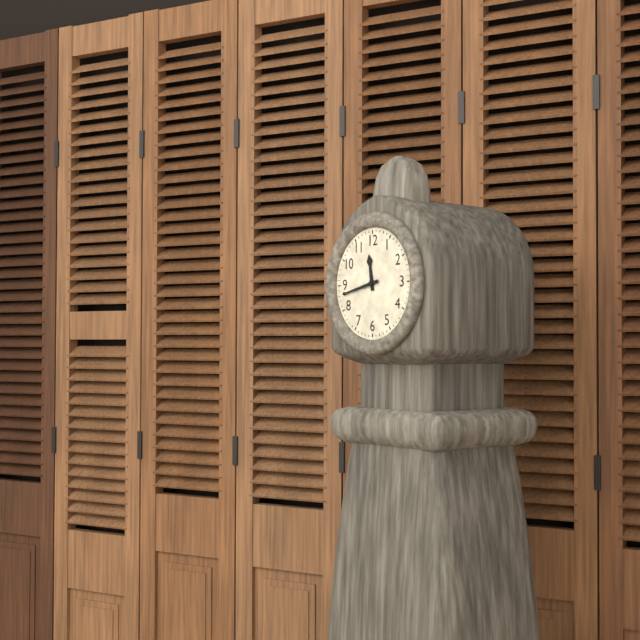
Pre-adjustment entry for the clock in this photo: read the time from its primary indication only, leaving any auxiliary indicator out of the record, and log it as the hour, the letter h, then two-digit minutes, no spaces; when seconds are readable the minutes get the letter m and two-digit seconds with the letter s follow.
11h43
